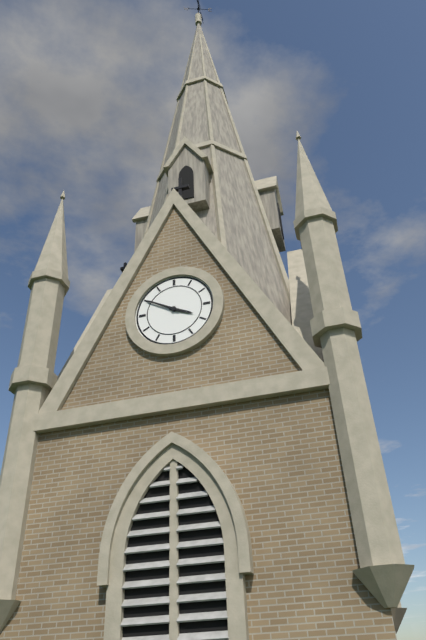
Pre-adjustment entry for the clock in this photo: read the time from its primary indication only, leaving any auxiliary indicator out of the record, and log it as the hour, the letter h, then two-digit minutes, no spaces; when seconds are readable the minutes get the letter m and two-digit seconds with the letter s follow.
3h50
